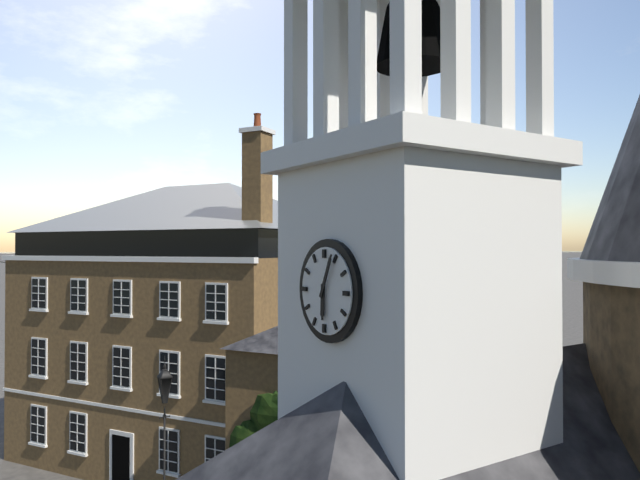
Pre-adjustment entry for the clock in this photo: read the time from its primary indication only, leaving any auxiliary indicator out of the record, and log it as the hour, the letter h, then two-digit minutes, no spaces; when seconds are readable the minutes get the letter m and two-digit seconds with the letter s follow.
6h04
